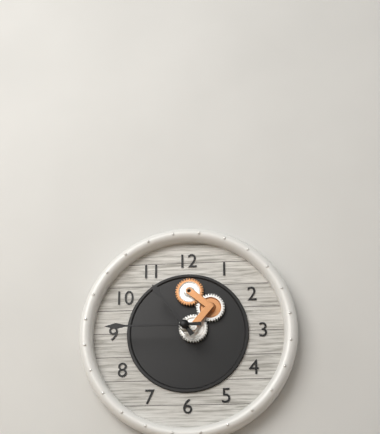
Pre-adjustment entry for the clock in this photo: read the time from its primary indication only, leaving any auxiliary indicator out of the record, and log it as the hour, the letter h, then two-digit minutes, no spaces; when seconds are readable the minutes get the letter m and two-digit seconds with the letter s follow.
10h45
